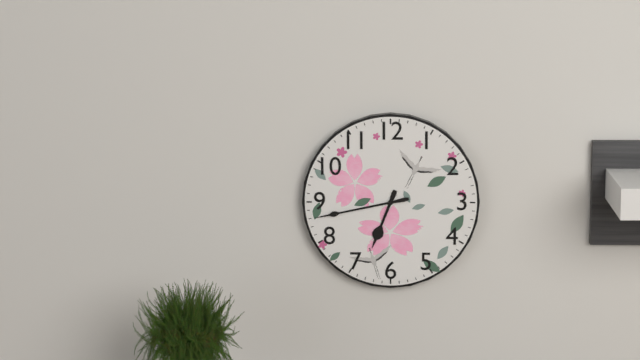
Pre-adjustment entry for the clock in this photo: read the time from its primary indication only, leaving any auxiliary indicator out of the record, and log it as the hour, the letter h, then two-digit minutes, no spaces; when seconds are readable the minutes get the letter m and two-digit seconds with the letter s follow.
6h43
